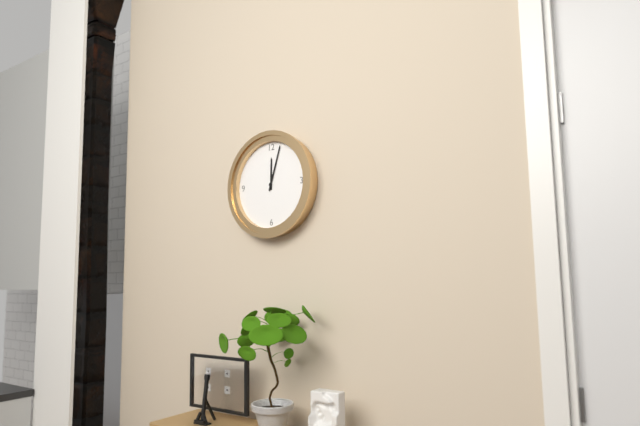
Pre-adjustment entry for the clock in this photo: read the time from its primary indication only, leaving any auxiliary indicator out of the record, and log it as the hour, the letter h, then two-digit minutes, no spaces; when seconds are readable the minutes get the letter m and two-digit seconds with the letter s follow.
12h03
